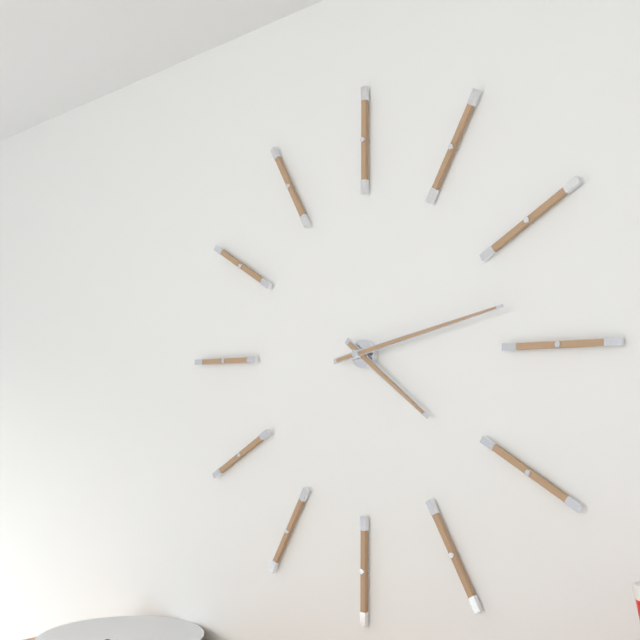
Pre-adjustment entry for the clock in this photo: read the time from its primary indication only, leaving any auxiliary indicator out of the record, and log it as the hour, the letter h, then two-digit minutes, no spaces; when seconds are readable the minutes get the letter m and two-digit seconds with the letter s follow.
4h13
